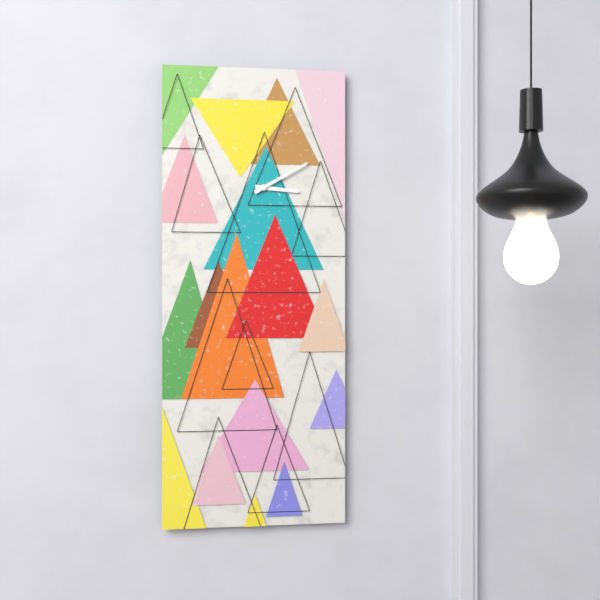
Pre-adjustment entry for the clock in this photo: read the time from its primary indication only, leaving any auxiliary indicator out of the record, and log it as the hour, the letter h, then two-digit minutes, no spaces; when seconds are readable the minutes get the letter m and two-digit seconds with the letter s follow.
3h10
